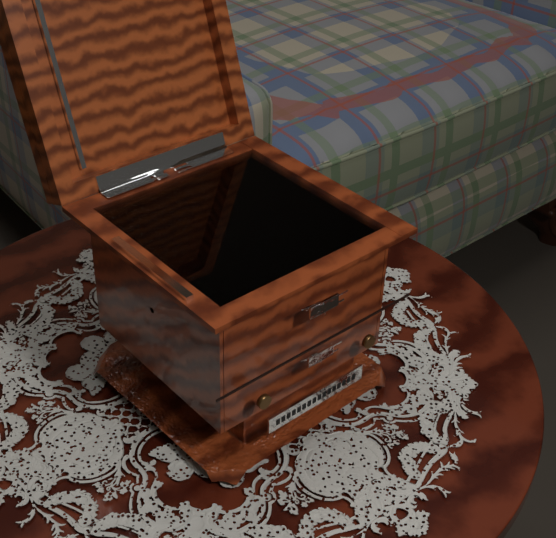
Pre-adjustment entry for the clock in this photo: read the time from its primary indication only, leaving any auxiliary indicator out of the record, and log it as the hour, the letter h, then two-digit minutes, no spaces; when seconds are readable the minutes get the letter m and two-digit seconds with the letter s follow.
3h31
